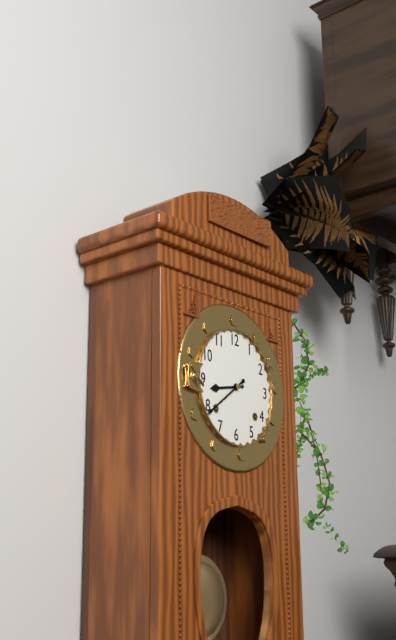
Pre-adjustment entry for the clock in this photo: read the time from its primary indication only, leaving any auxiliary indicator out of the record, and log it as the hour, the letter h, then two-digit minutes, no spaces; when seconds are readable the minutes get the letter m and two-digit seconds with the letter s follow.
8h39
